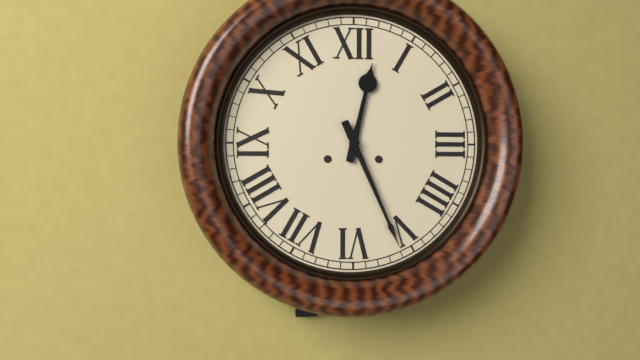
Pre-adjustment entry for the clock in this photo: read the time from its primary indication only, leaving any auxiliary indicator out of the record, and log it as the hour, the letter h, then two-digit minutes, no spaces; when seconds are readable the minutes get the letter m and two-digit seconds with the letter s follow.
12h26
